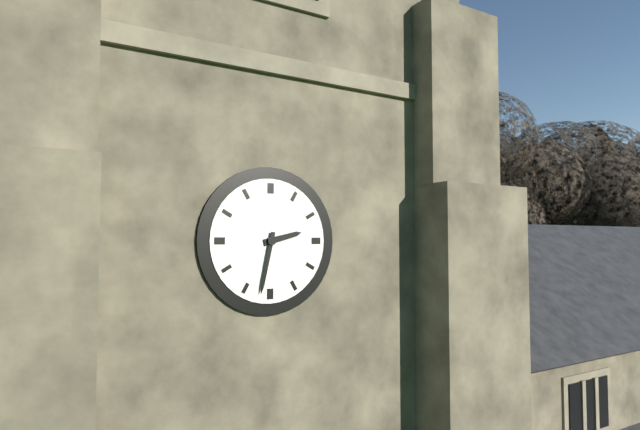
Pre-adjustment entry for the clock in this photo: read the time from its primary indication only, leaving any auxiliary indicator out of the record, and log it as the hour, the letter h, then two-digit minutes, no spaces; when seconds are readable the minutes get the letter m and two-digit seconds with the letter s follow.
2h32
